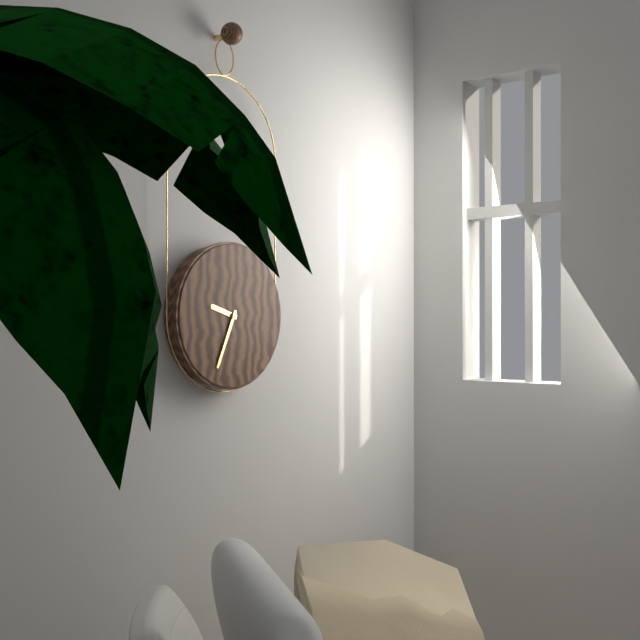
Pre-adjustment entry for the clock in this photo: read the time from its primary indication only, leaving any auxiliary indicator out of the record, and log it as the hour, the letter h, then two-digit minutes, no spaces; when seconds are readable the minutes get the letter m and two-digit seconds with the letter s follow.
9h34
